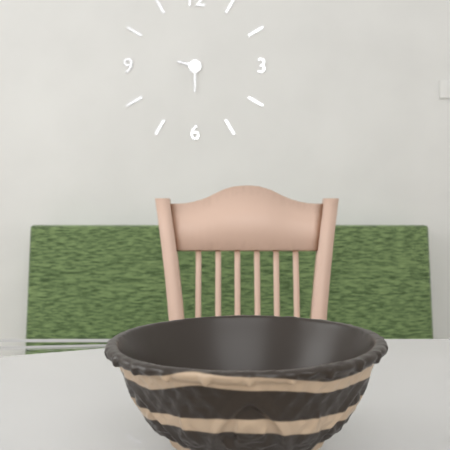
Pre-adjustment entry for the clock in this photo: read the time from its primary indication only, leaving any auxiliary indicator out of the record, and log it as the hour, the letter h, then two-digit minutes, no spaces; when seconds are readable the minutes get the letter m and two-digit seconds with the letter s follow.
9h30
